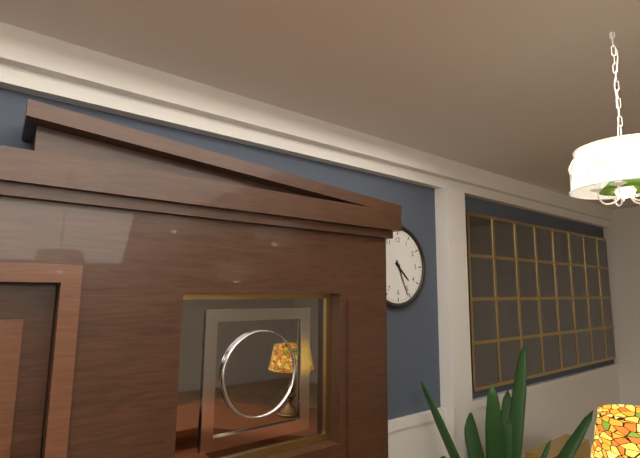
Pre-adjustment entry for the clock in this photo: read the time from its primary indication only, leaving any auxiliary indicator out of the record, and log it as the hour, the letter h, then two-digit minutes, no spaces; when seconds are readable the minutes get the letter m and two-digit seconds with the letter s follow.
4h26
